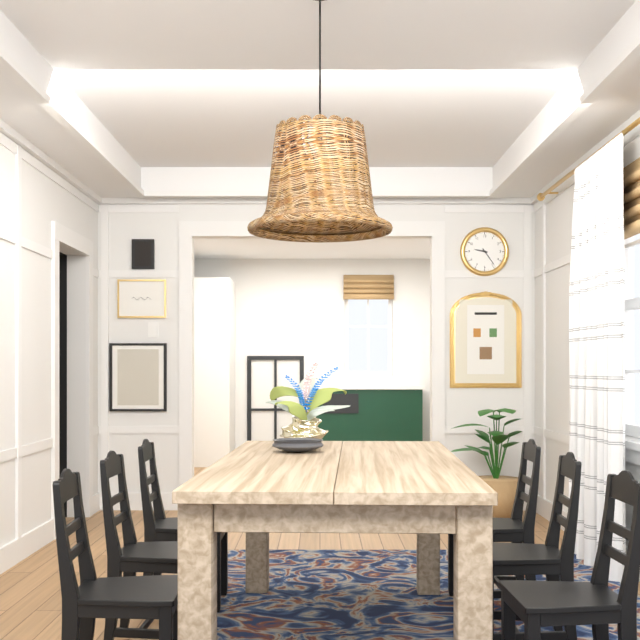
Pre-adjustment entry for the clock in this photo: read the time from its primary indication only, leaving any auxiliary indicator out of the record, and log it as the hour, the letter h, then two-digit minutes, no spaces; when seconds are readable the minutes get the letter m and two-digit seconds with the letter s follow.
9h24
